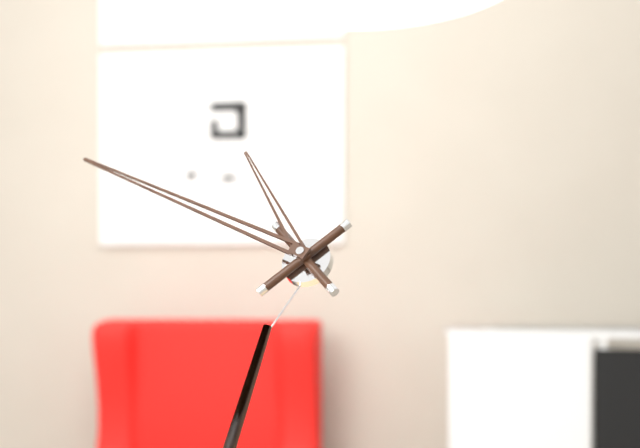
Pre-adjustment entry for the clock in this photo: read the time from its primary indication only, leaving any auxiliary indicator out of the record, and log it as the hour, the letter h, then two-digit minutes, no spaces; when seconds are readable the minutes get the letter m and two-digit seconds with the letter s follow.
10h49
